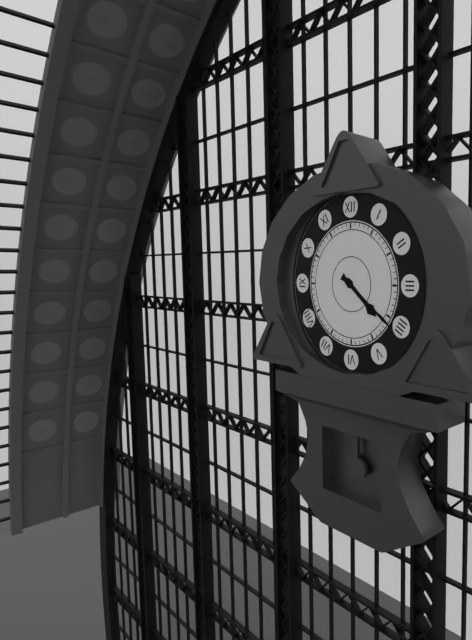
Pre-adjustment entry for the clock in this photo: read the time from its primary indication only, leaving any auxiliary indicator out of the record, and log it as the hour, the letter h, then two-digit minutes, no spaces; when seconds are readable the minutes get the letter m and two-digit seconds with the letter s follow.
4h21
